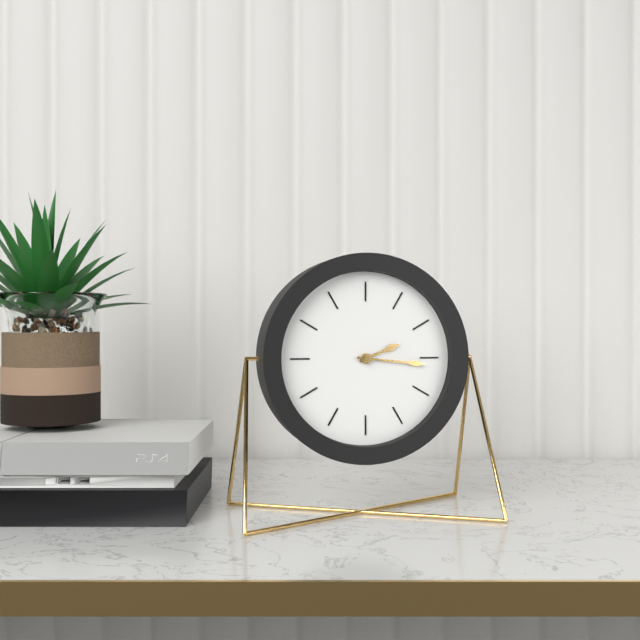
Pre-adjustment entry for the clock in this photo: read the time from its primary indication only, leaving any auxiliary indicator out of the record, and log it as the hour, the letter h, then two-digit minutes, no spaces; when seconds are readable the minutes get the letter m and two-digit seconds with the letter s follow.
2h16
